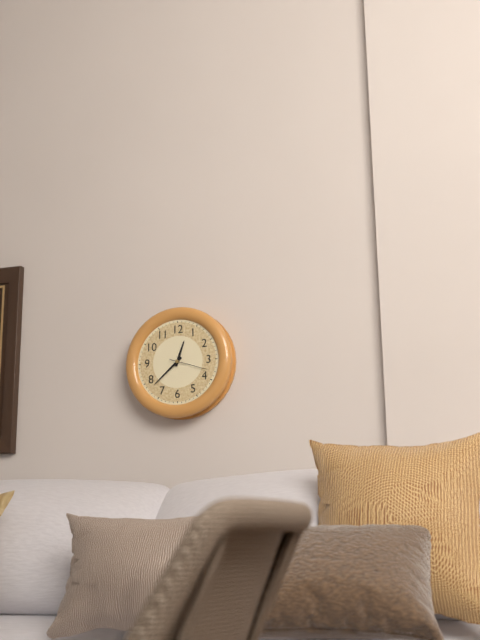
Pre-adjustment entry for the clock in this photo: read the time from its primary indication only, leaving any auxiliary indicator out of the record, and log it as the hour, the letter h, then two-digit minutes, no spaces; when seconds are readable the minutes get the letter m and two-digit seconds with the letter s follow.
12h38
